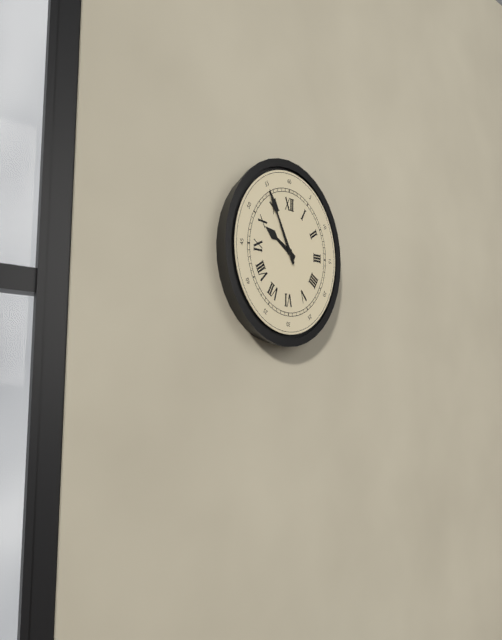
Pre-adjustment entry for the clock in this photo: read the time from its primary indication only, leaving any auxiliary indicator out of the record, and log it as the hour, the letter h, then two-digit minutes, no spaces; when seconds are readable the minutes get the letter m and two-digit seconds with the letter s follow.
9h55
